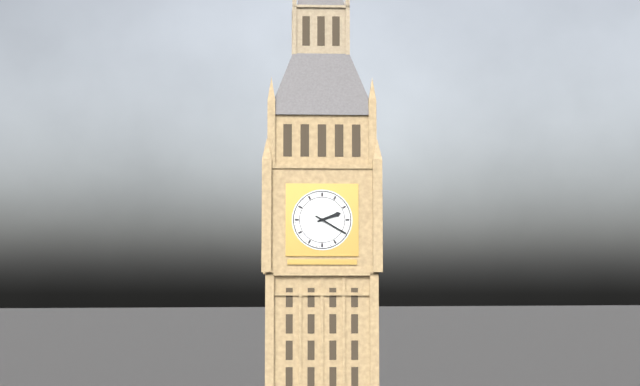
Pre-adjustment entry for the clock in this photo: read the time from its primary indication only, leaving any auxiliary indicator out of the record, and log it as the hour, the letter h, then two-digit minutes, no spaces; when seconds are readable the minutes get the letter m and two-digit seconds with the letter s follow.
2h20
